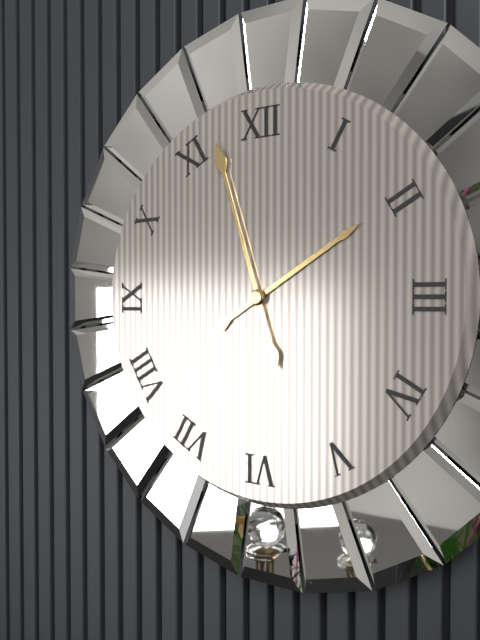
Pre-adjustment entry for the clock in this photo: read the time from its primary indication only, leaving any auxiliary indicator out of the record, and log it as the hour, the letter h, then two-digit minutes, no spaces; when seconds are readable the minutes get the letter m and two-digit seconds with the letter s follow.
1h57
